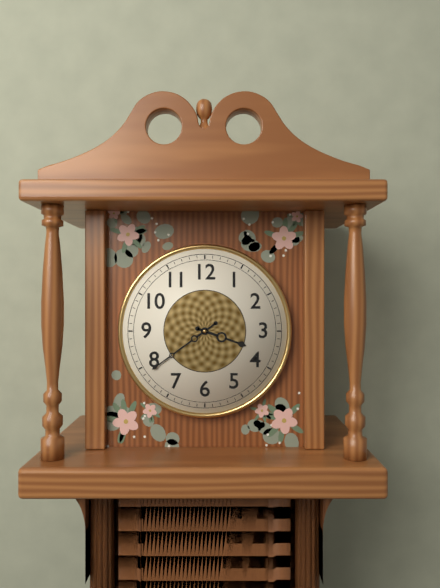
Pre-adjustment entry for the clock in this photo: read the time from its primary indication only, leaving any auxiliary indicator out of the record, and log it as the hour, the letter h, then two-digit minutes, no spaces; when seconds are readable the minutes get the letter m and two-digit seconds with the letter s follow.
3h39
